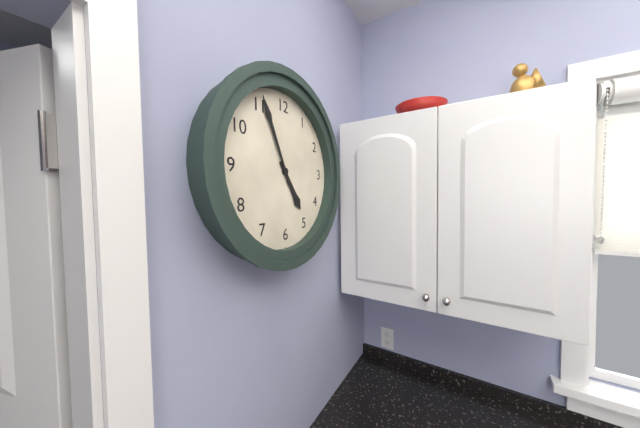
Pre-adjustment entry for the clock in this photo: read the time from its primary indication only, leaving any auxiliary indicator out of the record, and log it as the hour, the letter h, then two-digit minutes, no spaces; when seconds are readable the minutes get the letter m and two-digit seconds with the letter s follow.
4h56
